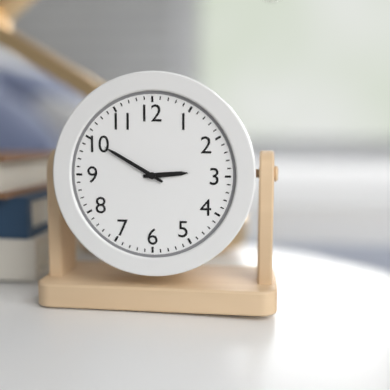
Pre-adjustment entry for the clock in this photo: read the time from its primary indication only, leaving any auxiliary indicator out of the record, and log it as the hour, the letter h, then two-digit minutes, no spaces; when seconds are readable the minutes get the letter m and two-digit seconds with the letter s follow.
2h50
